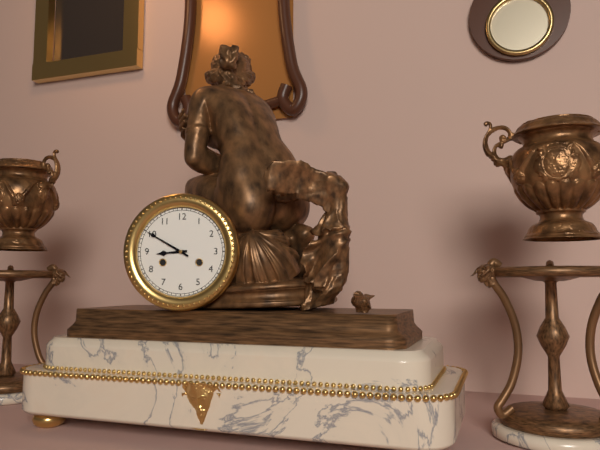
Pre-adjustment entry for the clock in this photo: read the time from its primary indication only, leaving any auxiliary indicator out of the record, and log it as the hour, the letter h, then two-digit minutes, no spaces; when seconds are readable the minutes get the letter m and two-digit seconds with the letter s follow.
8h50
